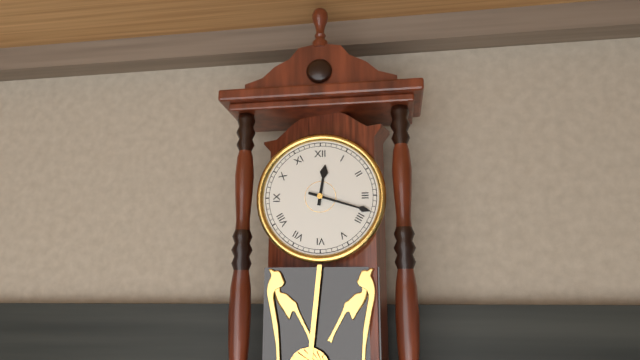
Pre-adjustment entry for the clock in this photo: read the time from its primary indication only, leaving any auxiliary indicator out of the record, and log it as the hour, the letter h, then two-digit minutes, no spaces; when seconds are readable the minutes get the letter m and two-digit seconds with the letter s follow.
12h18
